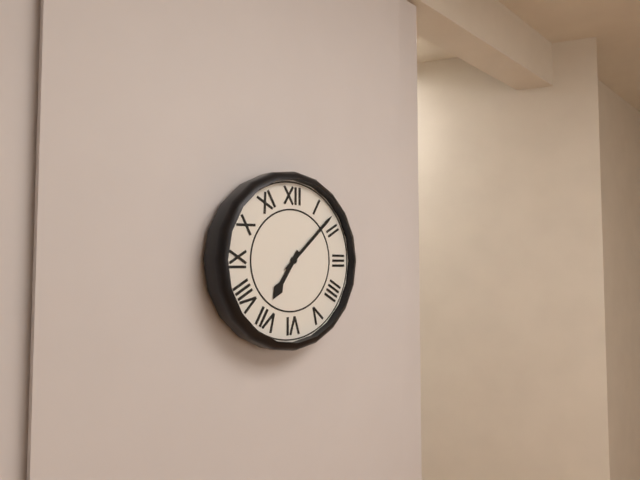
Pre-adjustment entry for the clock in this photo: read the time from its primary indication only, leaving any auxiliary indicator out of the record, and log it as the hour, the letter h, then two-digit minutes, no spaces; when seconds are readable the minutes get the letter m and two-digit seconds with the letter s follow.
7h08
